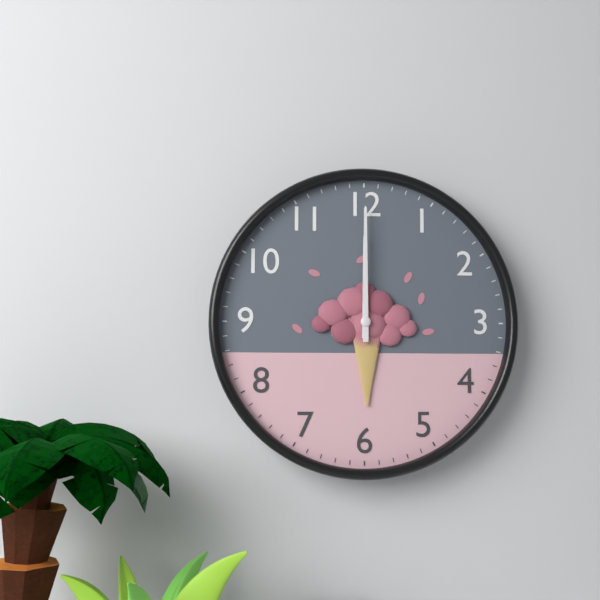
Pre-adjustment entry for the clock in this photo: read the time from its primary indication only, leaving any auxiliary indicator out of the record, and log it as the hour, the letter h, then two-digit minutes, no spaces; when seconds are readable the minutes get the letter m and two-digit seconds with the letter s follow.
12h00
